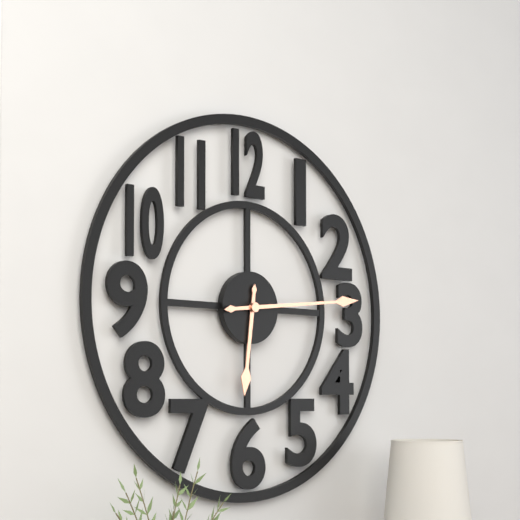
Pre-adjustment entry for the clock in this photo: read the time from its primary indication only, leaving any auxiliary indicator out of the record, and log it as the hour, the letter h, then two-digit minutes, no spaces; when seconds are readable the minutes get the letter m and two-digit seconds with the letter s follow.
6h14
